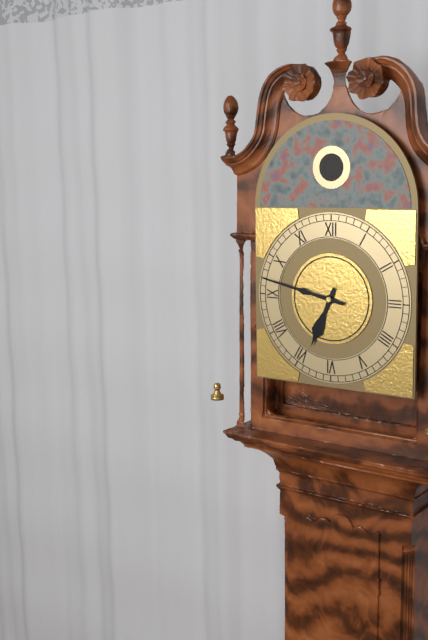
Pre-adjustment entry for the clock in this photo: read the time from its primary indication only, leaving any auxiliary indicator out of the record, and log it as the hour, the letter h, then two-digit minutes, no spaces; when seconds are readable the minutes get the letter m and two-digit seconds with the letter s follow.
6h47
